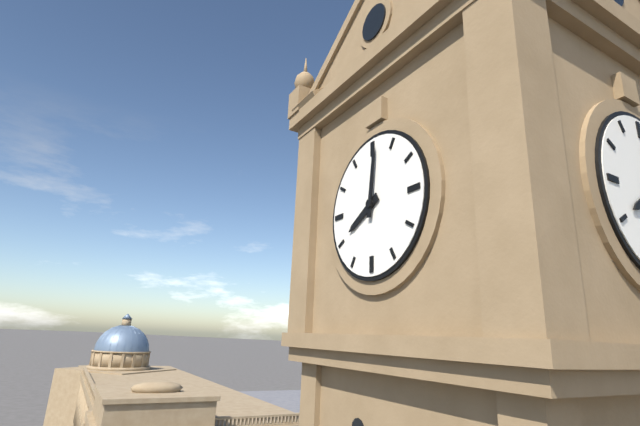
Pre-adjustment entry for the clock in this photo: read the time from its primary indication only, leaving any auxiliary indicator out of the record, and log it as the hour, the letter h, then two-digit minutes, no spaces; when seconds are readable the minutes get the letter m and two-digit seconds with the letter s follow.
8h01
